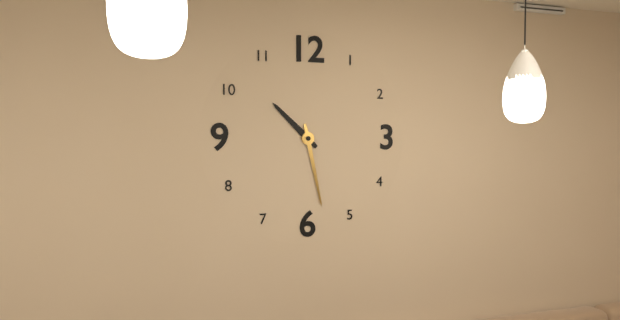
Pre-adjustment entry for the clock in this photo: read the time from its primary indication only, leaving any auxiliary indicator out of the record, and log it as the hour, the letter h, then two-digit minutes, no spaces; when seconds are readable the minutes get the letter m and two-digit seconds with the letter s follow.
10h28
